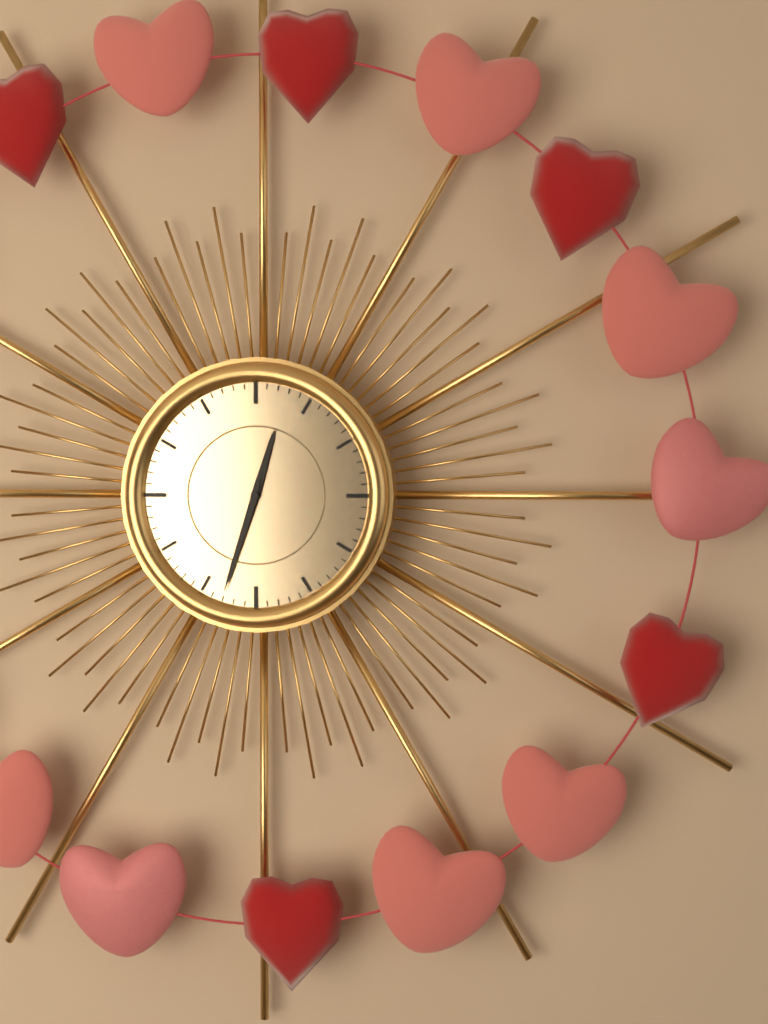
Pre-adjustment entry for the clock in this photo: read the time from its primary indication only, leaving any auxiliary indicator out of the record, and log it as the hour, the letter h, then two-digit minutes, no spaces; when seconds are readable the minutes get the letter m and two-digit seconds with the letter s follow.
12h33
